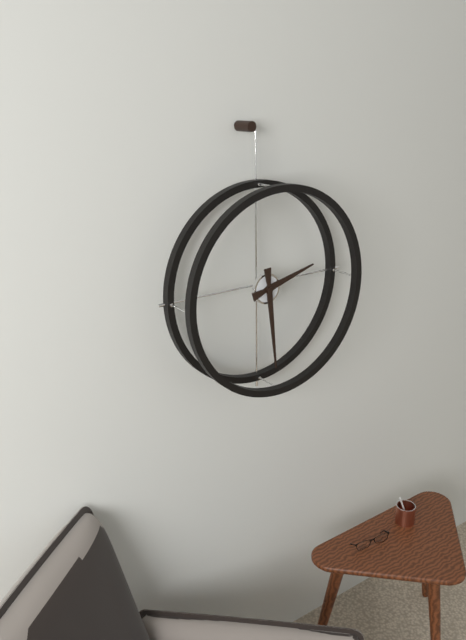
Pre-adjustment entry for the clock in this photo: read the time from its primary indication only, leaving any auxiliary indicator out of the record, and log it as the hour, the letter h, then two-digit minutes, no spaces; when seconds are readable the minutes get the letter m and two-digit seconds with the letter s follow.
2h29
